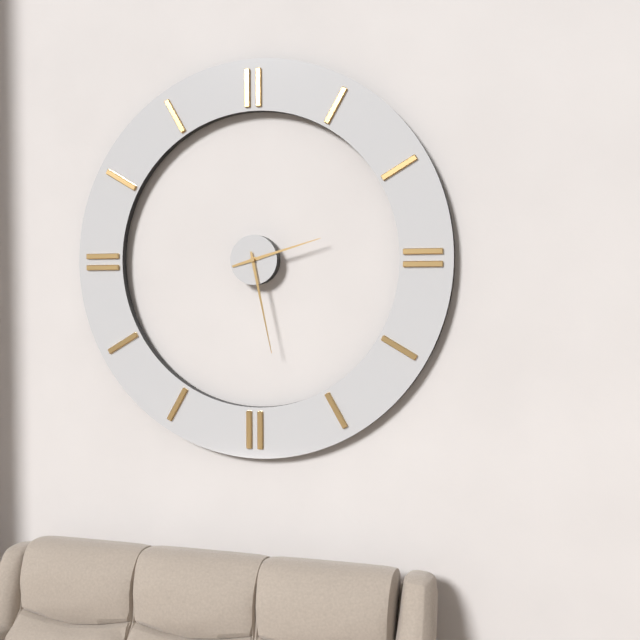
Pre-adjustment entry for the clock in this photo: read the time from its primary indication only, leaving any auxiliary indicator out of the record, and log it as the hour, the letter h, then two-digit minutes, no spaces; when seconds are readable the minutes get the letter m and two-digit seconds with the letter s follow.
2h28
